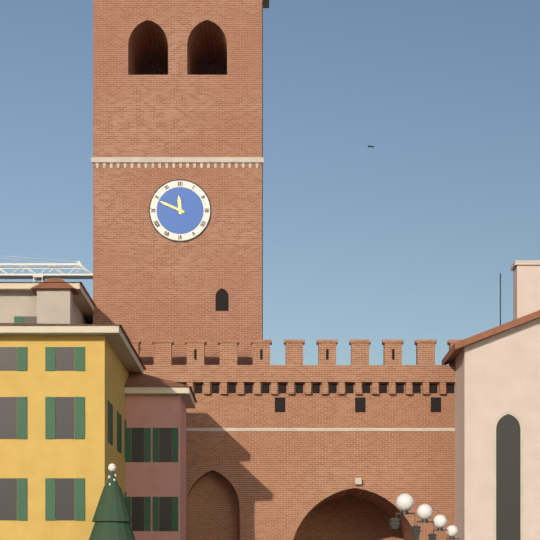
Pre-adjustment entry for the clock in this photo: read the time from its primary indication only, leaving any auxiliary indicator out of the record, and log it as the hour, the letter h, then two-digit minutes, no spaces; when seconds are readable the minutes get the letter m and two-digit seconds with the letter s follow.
11h49
